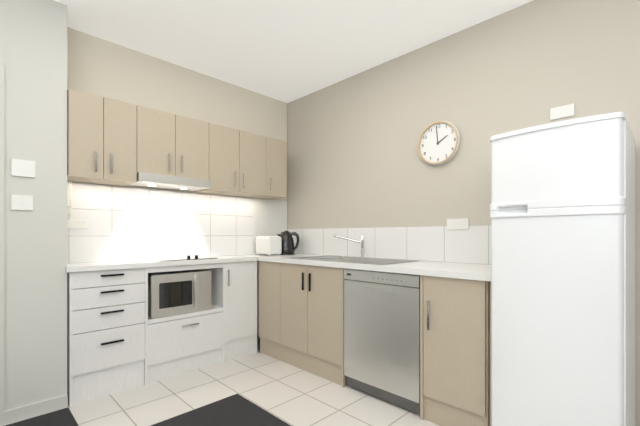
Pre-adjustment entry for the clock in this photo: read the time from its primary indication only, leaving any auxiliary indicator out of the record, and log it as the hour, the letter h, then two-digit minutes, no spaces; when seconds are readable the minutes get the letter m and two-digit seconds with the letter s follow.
1h59
